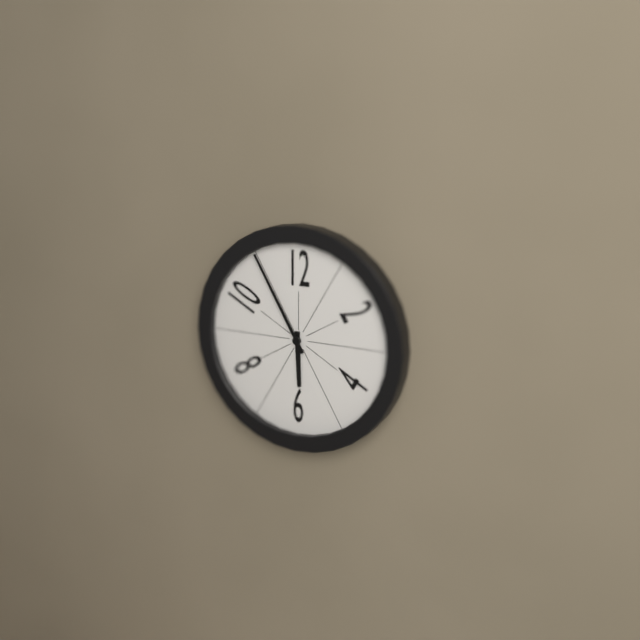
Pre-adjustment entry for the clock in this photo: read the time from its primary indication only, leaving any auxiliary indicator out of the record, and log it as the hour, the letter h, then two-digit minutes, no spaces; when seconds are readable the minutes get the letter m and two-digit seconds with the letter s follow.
5h55
